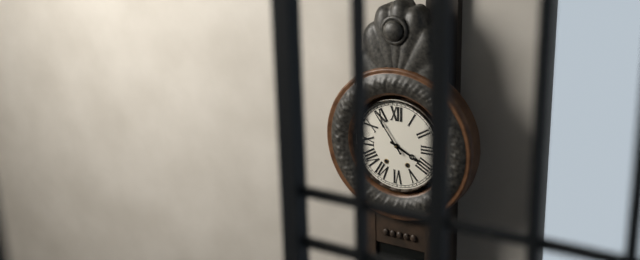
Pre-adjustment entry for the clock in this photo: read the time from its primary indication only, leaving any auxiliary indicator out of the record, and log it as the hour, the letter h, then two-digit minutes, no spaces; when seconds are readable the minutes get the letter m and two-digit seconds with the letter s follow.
3h54
